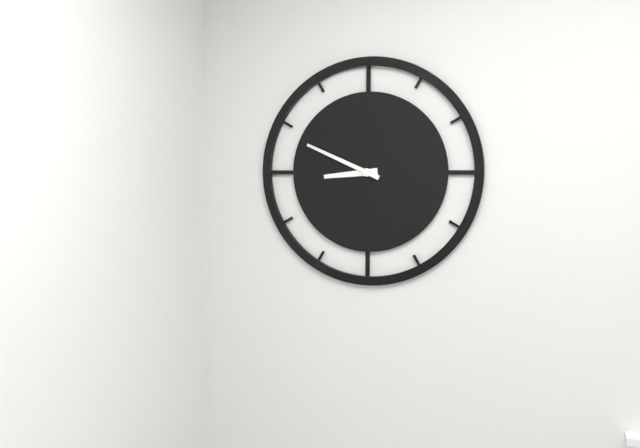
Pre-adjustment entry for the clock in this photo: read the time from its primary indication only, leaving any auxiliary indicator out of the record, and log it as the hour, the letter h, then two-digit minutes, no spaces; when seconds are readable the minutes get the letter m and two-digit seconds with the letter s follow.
8h49
